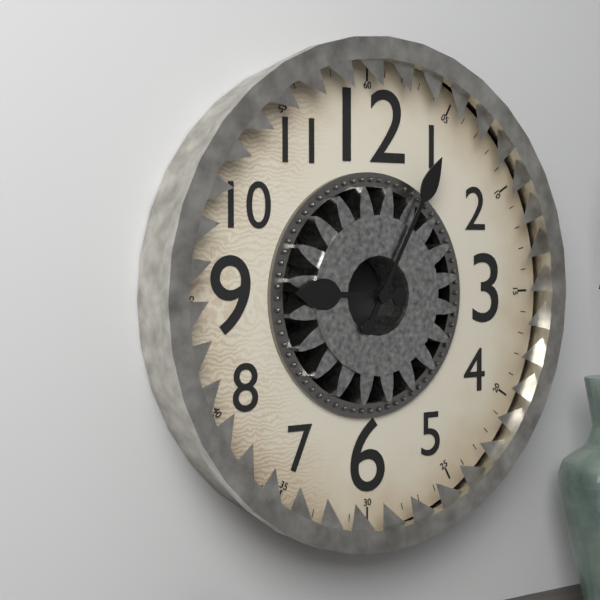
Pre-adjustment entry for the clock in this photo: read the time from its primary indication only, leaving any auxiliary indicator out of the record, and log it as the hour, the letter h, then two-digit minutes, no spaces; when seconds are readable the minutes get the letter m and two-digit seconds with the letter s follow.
9h05
